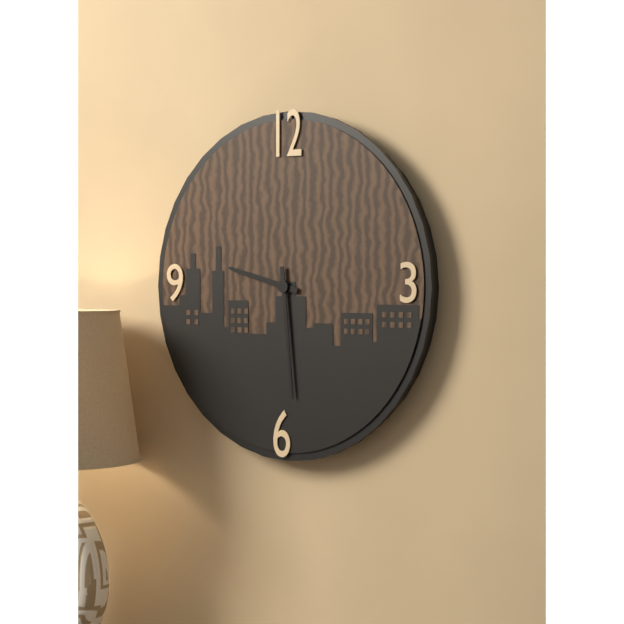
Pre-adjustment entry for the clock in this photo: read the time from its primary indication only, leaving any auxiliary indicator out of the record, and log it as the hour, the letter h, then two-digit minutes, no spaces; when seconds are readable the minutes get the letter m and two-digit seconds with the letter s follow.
9h29
